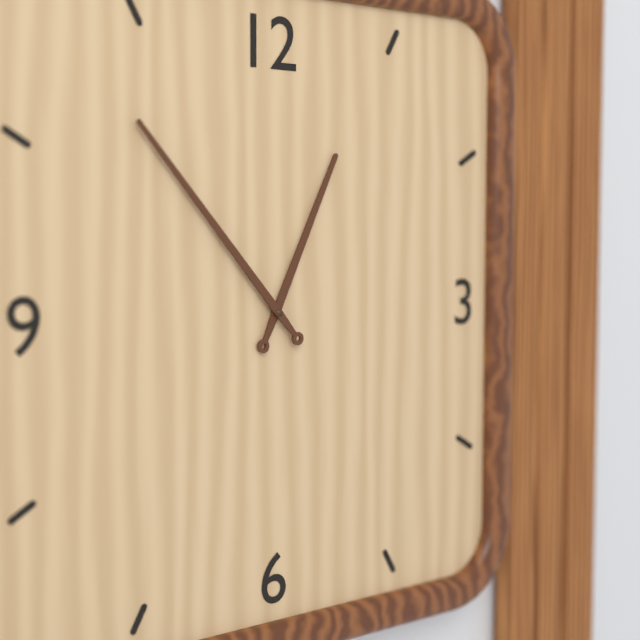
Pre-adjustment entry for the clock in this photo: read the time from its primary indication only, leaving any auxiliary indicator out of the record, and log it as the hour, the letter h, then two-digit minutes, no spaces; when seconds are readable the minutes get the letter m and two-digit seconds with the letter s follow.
12h53
